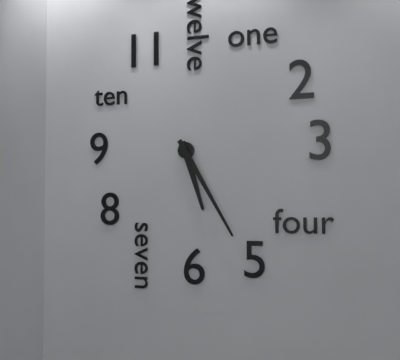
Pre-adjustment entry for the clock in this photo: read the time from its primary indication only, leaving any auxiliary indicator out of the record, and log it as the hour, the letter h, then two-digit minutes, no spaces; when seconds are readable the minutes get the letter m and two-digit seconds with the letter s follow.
5h25
